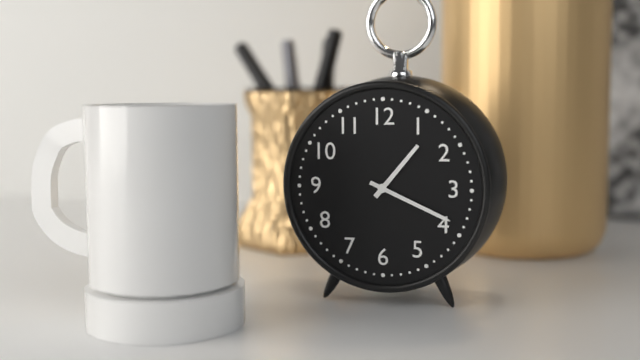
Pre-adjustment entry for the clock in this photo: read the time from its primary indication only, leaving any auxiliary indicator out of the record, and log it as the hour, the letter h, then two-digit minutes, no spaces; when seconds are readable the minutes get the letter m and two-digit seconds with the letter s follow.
1h19
